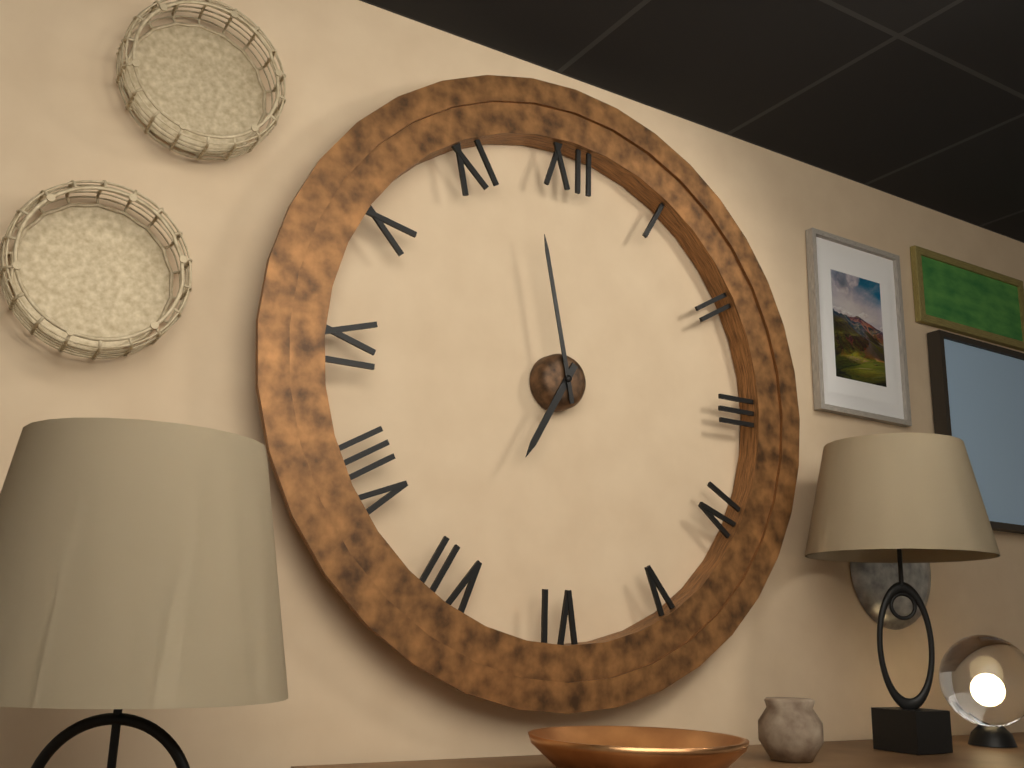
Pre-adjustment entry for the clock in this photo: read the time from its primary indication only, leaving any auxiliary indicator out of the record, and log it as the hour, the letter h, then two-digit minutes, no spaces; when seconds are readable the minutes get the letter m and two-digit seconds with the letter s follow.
6h58
